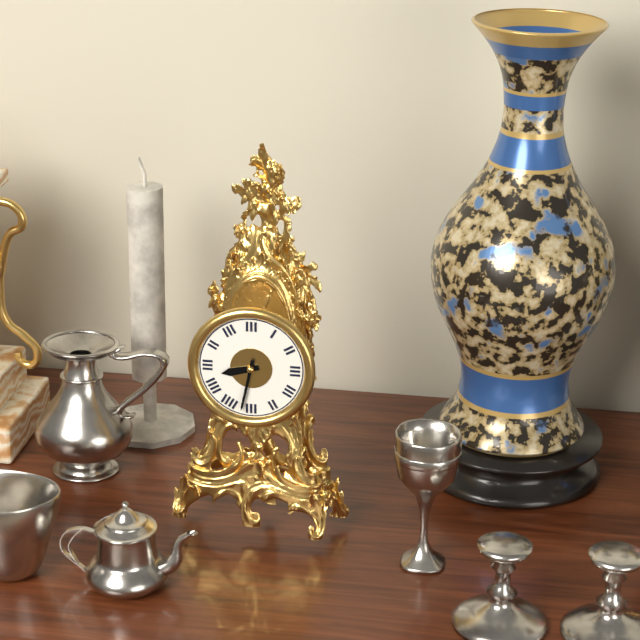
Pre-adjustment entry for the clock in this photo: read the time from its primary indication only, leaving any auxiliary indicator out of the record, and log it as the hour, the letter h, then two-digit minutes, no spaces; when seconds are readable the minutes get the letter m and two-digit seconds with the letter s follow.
8h32
